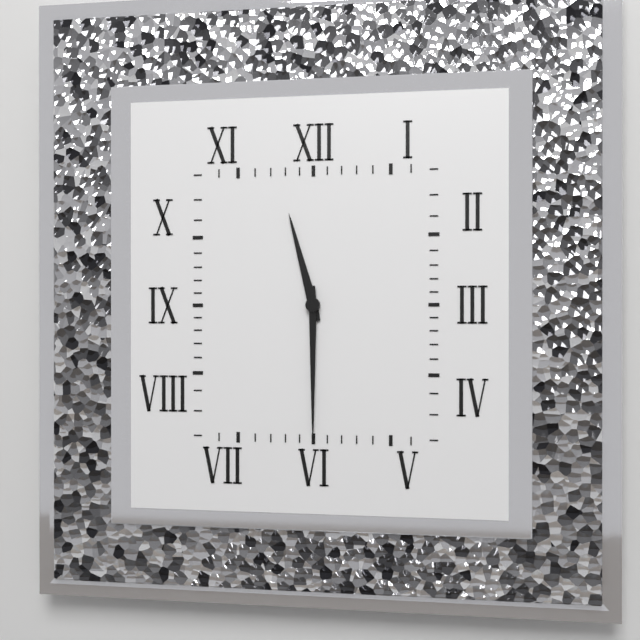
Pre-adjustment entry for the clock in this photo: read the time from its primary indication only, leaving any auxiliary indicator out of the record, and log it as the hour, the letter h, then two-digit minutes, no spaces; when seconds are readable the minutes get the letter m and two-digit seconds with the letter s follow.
11h30
